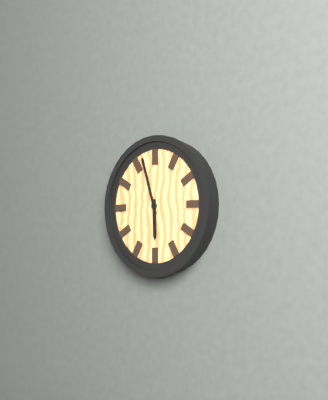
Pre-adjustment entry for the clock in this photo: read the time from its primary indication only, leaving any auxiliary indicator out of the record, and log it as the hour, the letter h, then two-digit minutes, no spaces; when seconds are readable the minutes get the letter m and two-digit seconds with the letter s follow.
5h57
